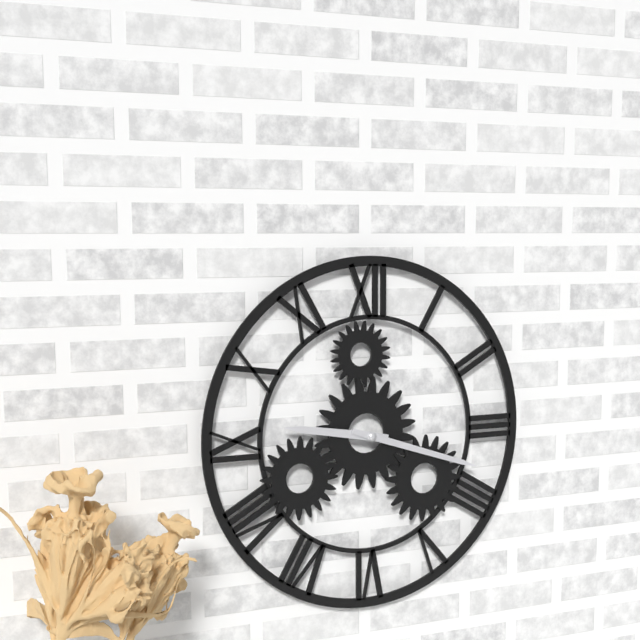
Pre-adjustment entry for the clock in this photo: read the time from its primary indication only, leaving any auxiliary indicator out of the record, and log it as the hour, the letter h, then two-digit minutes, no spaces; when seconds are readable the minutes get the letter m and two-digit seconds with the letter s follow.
9h18
